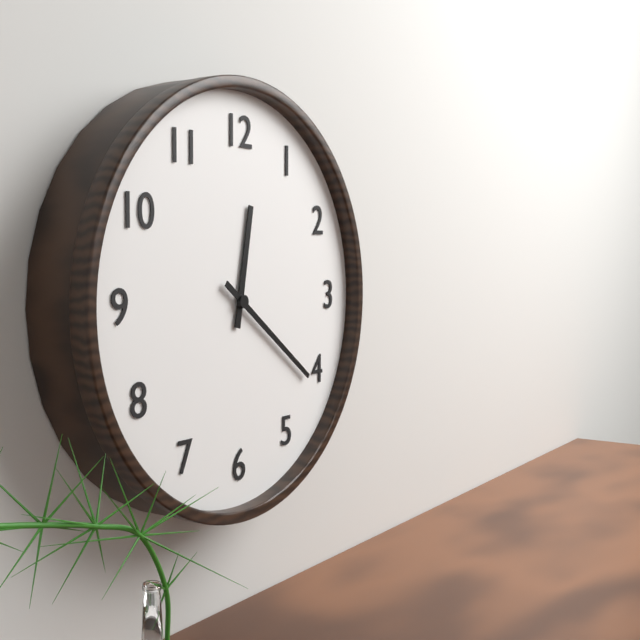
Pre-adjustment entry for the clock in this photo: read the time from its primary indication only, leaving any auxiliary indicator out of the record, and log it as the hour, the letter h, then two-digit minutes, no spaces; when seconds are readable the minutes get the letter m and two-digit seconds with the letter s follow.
12h21
